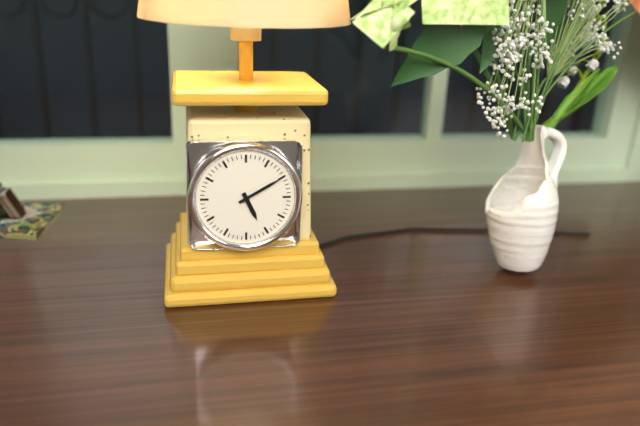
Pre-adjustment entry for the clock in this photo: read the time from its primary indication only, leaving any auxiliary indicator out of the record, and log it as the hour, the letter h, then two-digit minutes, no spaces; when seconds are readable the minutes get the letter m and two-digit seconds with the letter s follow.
5h10
